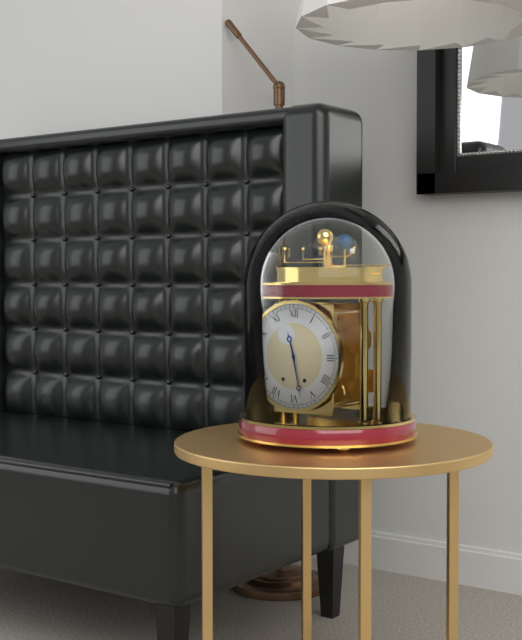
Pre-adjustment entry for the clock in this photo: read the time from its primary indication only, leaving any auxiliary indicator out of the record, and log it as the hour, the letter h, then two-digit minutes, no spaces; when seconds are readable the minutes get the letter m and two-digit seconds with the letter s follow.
11h28
